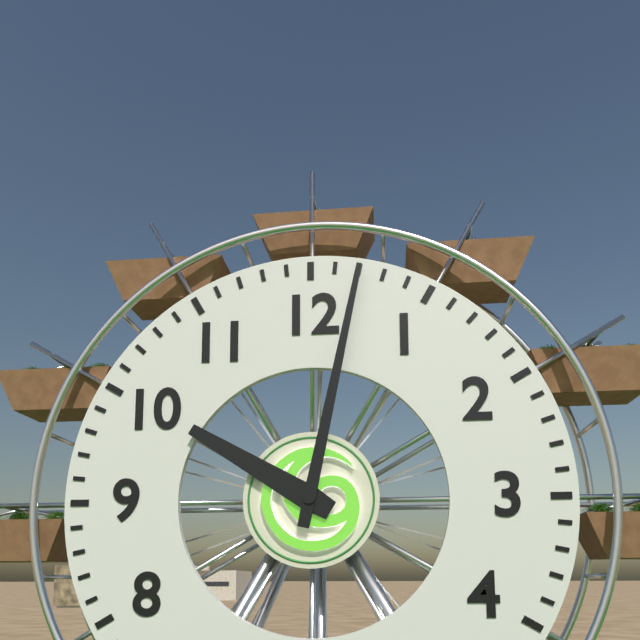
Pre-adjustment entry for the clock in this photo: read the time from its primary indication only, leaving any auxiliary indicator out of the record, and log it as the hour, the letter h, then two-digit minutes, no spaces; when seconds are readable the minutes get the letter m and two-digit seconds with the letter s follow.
10h02
